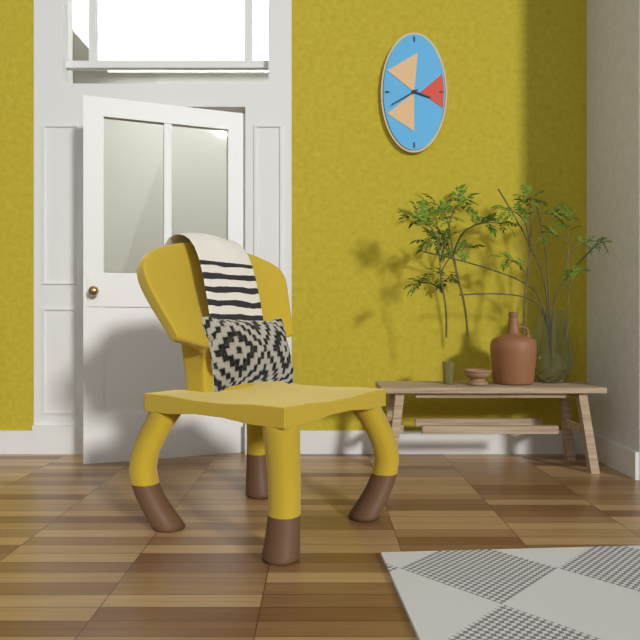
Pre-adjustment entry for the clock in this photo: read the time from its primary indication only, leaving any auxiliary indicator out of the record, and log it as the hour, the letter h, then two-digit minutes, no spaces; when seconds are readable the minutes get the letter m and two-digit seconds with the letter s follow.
3h40
